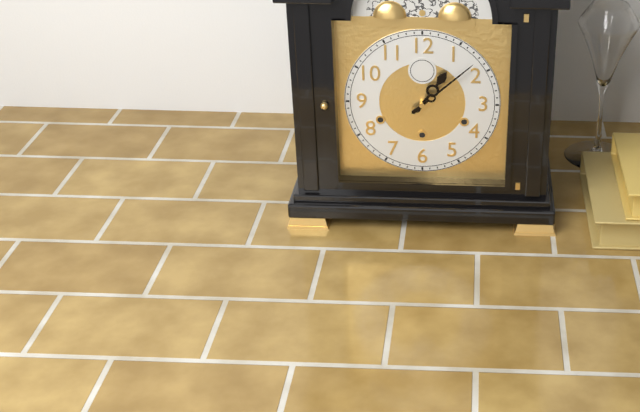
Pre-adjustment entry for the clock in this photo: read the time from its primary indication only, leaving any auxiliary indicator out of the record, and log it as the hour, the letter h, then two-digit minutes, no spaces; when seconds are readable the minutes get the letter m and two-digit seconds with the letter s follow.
1h08
